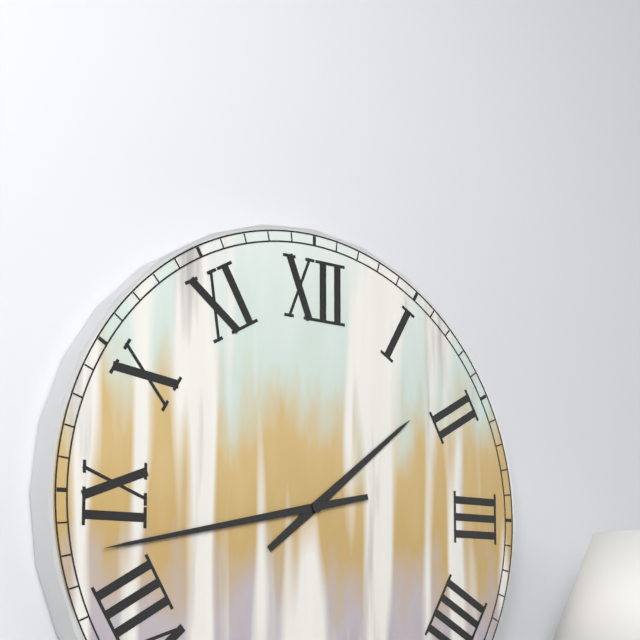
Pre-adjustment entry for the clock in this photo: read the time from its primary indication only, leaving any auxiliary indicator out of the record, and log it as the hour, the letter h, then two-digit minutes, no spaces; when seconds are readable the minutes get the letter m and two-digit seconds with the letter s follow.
1h43
